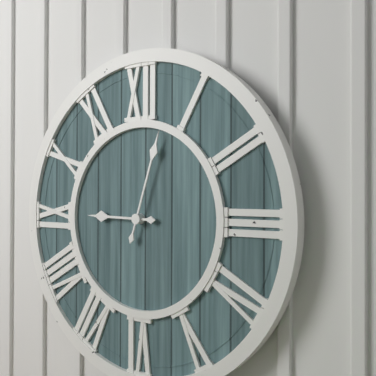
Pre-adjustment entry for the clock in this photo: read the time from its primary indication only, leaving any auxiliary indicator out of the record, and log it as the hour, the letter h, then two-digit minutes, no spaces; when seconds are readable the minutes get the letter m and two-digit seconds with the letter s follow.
9h03
